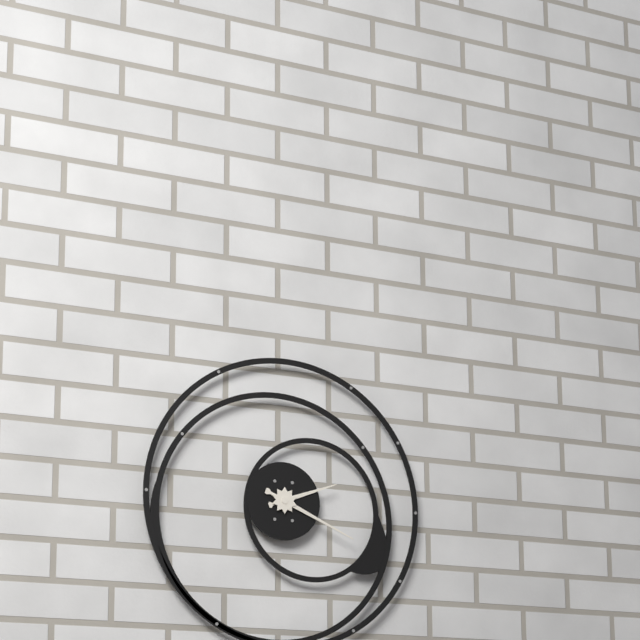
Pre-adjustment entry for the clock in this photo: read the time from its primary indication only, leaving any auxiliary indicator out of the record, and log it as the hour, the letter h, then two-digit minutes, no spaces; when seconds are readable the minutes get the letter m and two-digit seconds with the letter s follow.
2h19
